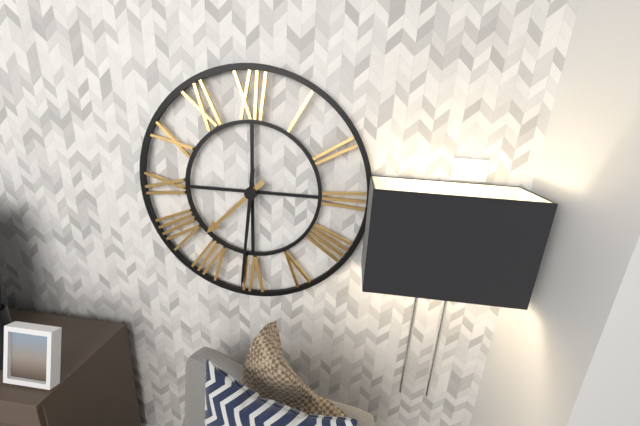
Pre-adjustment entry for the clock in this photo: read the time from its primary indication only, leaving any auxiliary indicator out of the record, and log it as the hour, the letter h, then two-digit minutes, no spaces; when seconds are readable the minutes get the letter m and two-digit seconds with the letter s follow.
7h31
